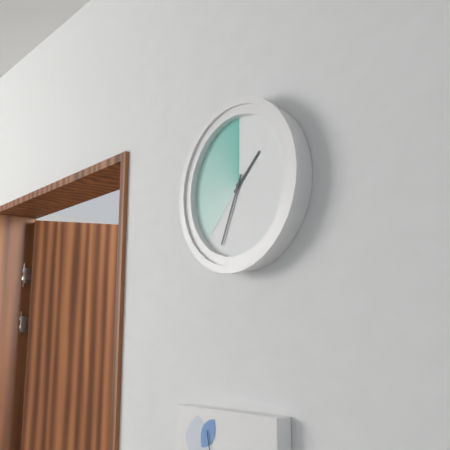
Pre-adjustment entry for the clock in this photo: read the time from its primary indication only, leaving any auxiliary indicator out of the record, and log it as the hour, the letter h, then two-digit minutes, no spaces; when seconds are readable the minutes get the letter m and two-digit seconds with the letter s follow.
1h34
